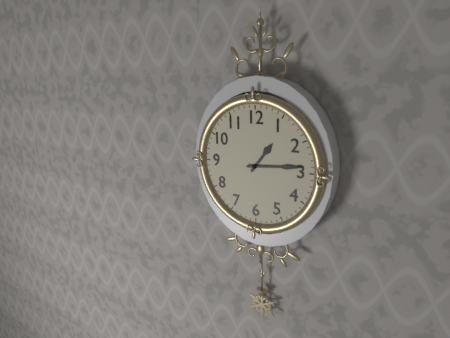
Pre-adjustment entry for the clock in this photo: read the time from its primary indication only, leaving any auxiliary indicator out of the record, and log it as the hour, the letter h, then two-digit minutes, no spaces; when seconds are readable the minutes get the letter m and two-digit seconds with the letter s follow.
1h14
